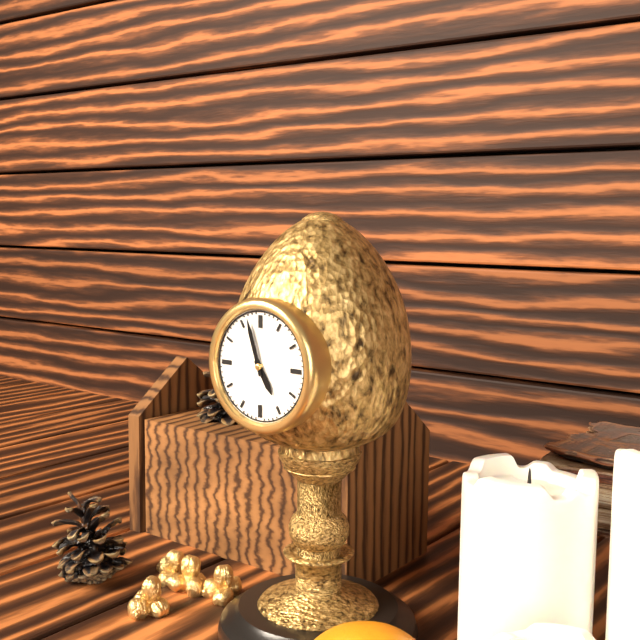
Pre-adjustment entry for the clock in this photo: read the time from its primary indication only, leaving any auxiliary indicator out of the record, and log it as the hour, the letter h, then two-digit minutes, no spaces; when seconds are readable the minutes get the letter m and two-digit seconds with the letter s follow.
4h57
